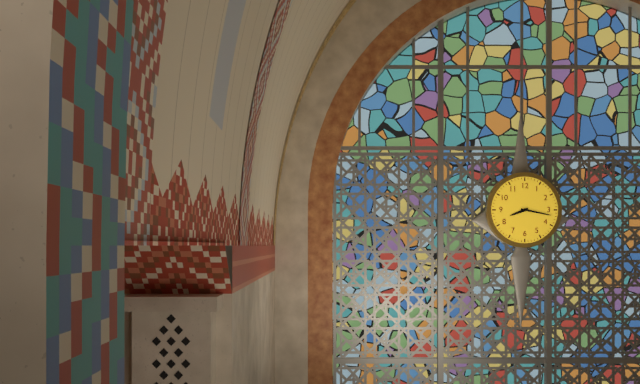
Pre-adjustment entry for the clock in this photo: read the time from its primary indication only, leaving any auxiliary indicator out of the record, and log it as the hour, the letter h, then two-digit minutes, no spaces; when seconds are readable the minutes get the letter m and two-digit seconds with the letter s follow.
8h17
